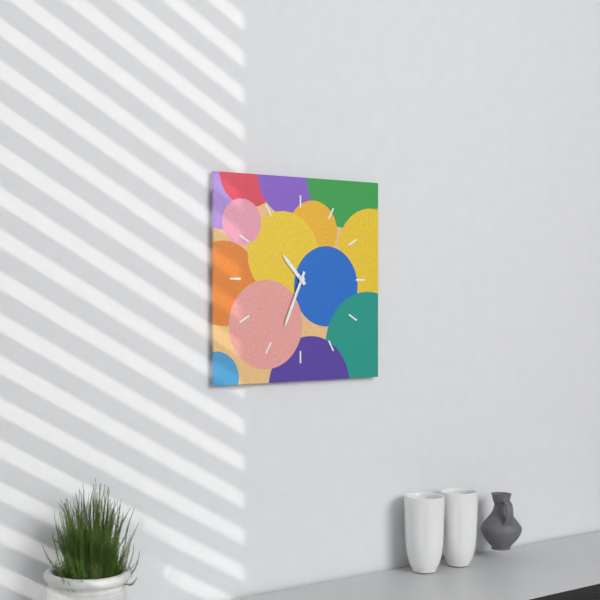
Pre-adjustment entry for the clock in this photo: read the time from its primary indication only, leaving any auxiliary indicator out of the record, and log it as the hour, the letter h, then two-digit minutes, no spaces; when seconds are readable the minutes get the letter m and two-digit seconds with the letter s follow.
10h34
